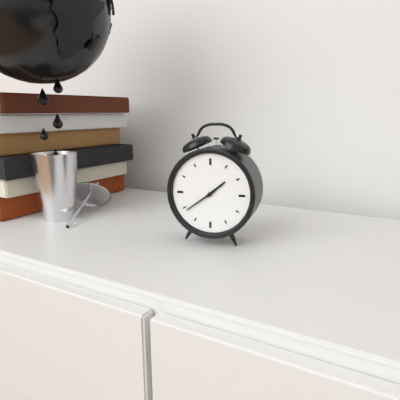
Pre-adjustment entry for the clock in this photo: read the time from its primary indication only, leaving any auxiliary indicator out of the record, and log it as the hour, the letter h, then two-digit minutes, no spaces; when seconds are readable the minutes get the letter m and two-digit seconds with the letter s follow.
1h39
